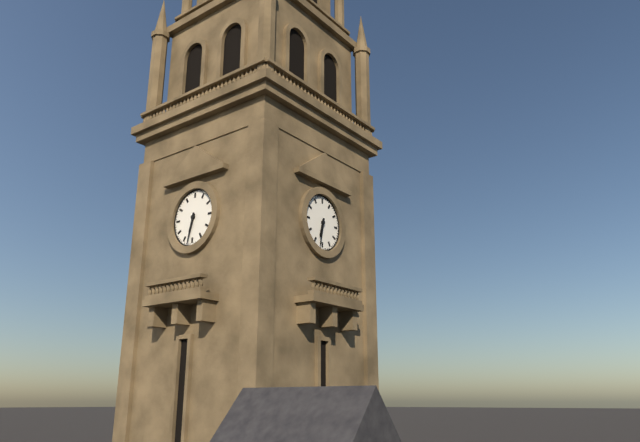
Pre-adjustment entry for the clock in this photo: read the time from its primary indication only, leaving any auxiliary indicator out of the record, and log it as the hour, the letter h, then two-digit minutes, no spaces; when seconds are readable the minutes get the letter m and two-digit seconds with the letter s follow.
6h32
